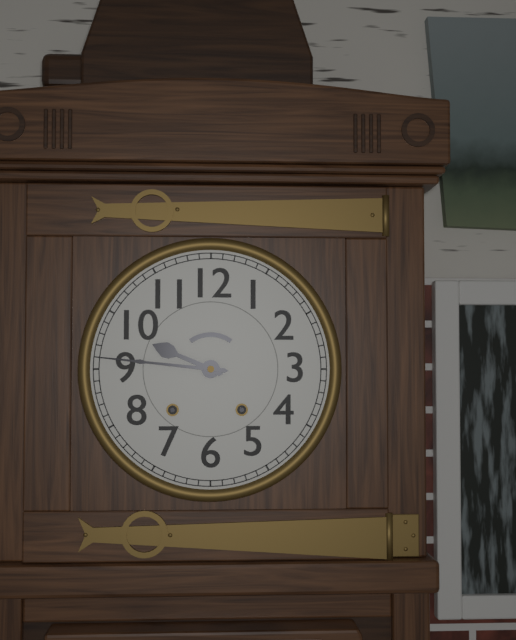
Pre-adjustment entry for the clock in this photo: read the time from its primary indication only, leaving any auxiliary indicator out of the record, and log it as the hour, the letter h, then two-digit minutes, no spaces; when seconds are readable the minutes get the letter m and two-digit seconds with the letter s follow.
9h46
